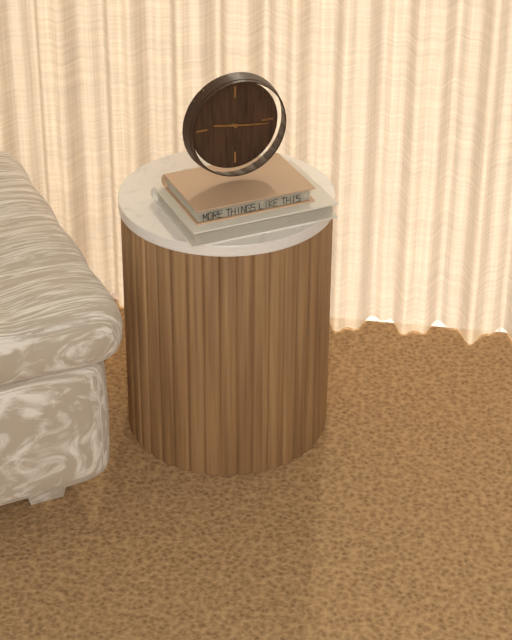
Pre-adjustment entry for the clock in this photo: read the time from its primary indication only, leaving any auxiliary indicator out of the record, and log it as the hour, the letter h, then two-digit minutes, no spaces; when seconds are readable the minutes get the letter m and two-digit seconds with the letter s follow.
9h16
